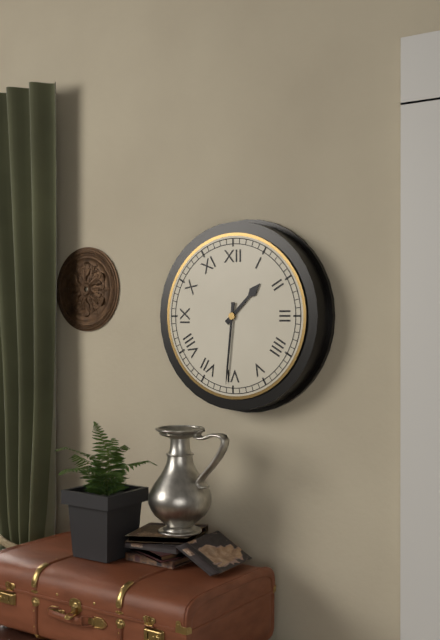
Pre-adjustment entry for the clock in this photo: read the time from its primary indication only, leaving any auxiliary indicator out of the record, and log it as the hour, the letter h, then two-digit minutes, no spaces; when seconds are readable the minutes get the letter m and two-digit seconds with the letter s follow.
1h31
